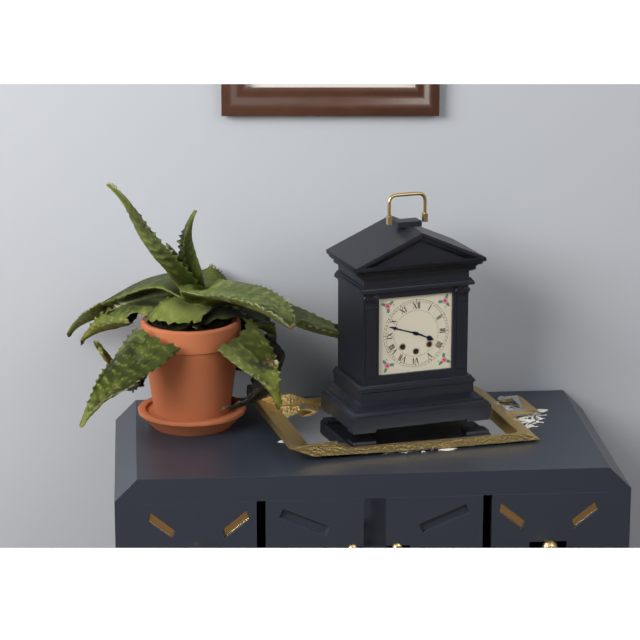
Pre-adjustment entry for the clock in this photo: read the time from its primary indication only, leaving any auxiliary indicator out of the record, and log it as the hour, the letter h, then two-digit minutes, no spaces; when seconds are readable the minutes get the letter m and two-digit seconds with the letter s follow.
3h48
